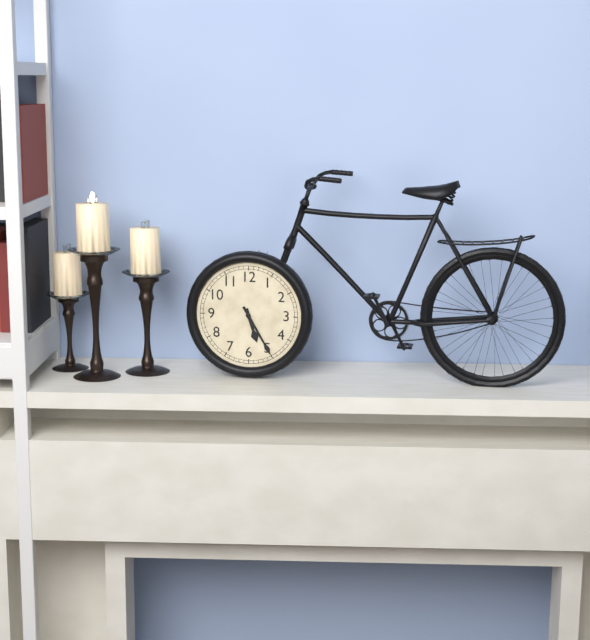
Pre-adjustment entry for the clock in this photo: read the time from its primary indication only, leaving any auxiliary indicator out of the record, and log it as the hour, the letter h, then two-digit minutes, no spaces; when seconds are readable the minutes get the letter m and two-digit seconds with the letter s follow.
5h25
